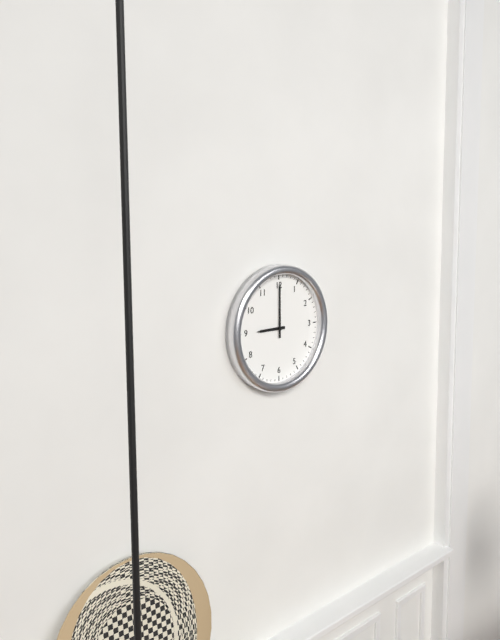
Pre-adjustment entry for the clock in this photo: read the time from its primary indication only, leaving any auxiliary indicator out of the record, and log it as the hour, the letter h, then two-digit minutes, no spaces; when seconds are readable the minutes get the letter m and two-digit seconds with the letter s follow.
9h00
